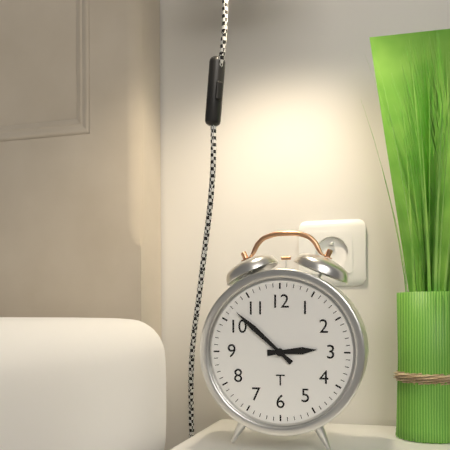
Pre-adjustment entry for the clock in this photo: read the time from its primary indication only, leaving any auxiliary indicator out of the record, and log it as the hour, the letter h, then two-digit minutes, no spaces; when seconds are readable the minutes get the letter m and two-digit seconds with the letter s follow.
2h52
